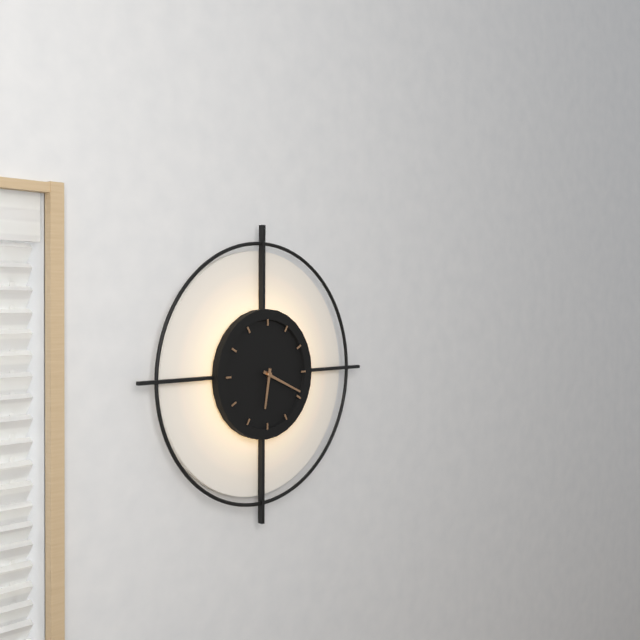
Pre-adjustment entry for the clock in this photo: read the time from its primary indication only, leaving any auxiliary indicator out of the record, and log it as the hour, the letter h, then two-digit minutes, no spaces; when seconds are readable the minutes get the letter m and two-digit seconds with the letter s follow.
6h19
